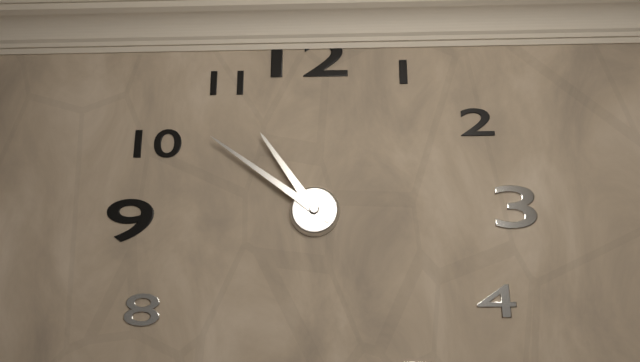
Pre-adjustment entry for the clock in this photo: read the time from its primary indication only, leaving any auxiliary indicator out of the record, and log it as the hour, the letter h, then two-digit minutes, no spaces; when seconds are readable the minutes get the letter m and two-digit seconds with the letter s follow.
10h51
